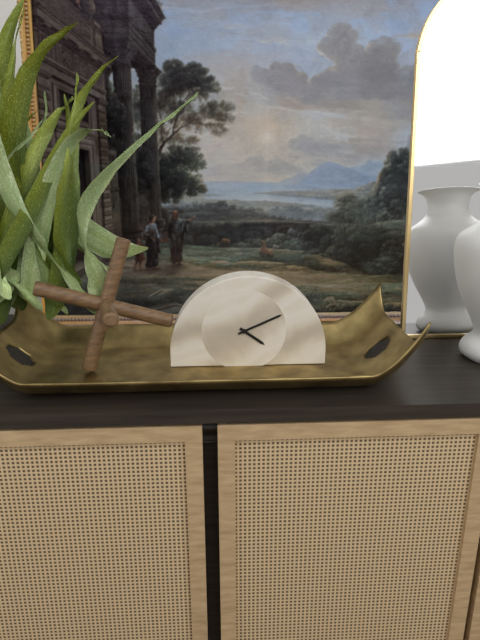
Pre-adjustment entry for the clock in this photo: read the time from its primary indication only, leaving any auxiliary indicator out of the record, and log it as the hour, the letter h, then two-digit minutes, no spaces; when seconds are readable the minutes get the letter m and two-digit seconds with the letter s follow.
4h11
